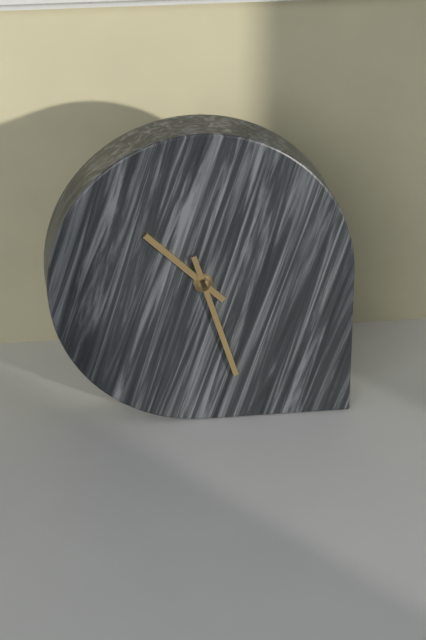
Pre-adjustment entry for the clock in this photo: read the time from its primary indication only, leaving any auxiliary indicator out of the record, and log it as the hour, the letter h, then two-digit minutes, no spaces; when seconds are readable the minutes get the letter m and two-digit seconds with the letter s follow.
10h27
